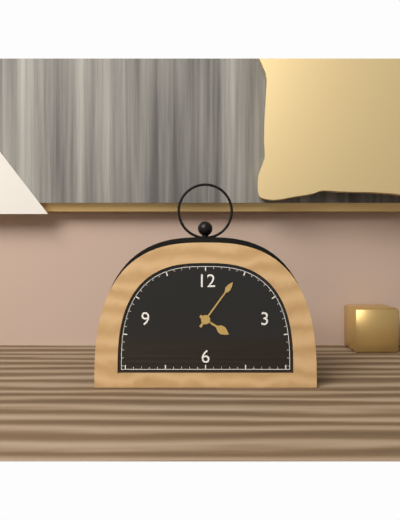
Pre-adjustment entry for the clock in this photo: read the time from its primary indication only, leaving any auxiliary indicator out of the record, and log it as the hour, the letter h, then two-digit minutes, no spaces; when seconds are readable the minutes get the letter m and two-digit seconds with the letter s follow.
4h06
